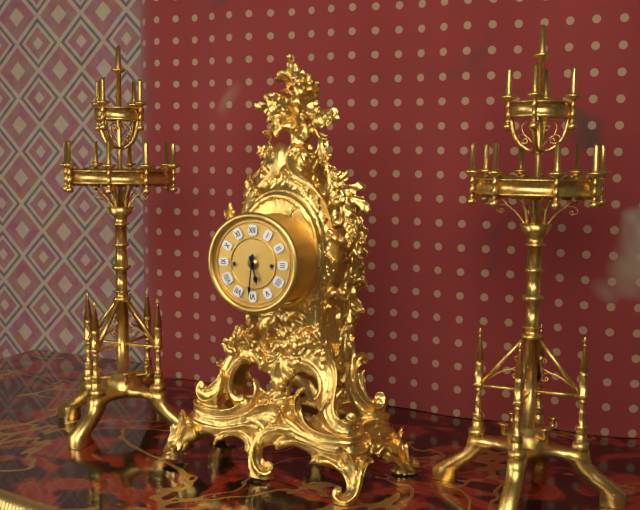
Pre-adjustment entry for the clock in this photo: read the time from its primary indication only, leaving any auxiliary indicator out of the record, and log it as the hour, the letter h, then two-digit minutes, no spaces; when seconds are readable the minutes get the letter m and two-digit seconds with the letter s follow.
5h31
